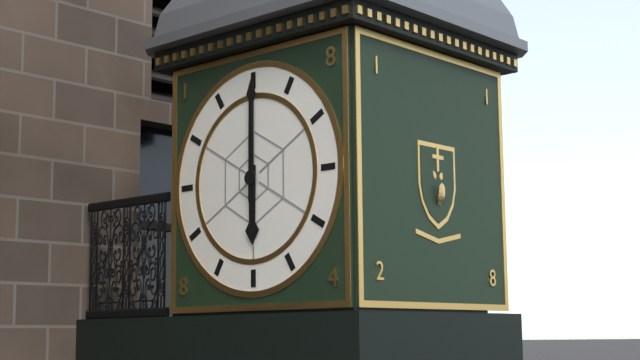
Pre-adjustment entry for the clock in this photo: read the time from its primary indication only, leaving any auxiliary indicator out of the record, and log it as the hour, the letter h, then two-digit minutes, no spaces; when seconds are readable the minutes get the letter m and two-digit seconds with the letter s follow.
6h00
